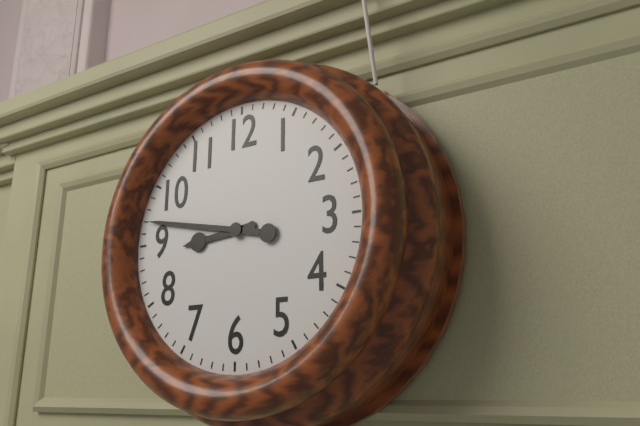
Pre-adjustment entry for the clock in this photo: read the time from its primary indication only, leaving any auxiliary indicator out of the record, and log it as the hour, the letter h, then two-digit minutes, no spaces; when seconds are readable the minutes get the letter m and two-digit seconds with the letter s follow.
8h47
